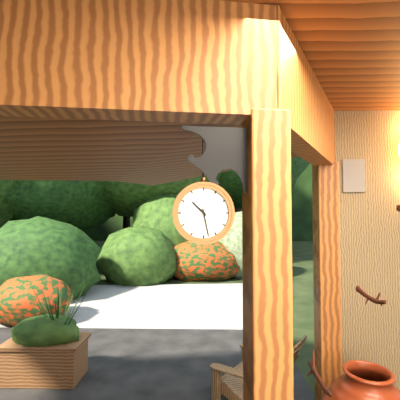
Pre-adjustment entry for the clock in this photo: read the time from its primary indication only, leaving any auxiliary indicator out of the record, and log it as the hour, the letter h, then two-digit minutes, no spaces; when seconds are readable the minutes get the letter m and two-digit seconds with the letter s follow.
10h28
